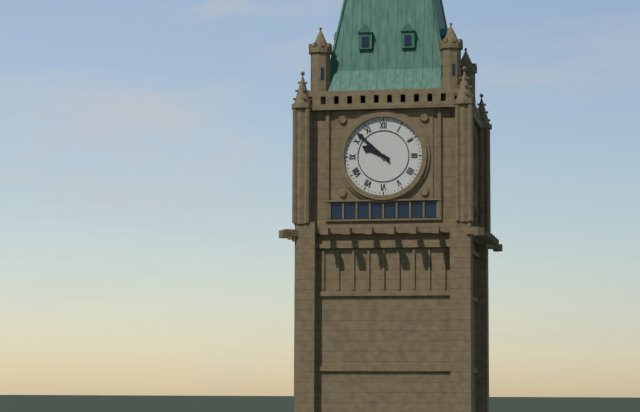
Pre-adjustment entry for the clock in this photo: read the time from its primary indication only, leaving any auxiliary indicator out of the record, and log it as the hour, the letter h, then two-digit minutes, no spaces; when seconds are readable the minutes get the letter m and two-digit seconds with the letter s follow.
9h52
